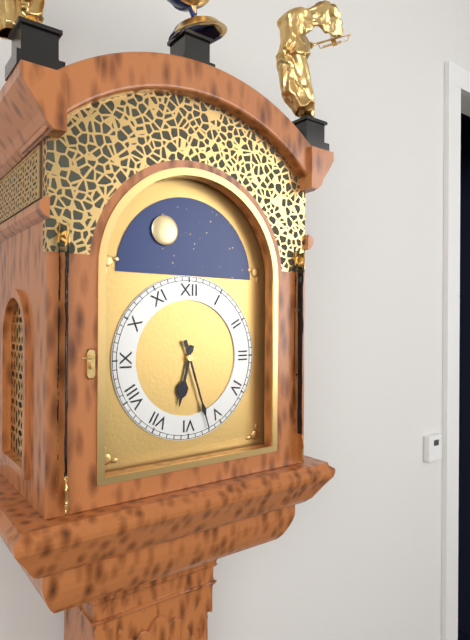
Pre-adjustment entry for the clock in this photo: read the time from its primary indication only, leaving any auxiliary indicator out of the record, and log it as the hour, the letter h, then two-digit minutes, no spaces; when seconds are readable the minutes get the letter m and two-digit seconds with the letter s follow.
6h27
